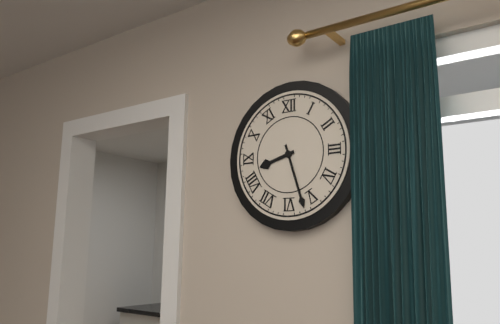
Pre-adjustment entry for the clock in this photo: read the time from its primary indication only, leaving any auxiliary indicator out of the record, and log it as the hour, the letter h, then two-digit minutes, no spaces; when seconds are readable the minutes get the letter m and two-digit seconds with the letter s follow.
8h27
